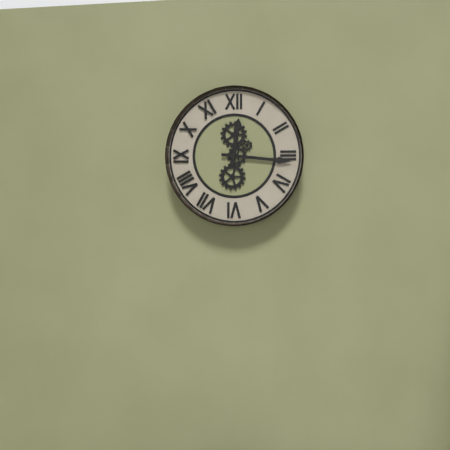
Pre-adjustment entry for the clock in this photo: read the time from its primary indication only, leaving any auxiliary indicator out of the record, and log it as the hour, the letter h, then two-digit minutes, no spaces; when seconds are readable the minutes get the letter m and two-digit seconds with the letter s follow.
12h16
